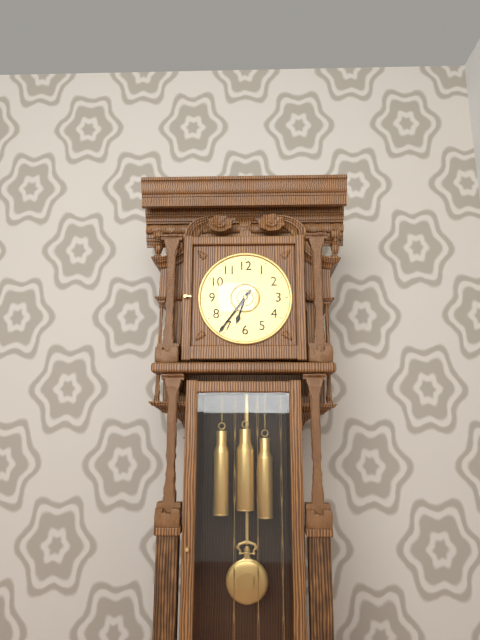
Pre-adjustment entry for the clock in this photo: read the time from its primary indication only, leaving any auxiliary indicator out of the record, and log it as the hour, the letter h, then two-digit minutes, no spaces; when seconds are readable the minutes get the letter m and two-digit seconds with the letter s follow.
6h36
